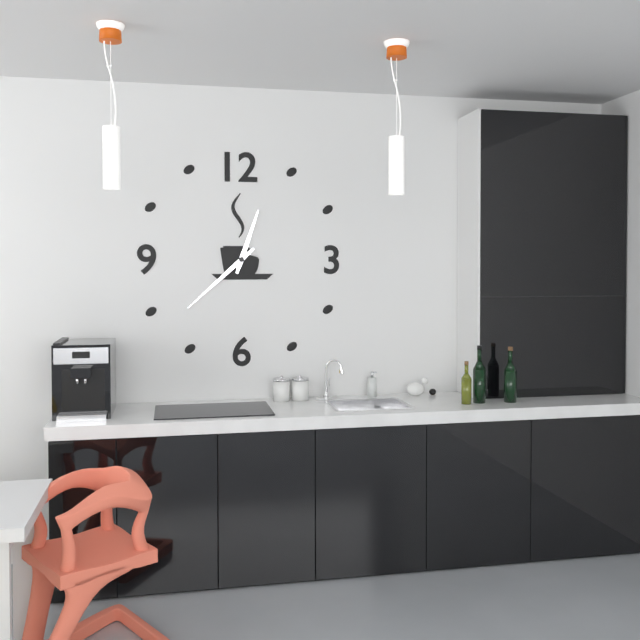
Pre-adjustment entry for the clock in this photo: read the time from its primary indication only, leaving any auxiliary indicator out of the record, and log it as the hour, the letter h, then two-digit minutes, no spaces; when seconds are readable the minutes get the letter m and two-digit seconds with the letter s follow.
12h38
